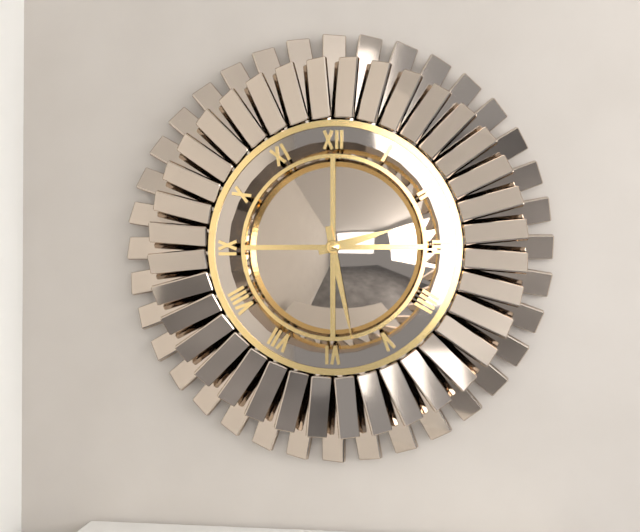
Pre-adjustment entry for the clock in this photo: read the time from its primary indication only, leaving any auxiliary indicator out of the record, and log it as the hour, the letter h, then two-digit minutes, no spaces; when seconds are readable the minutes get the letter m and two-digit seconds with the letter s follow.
2h28
